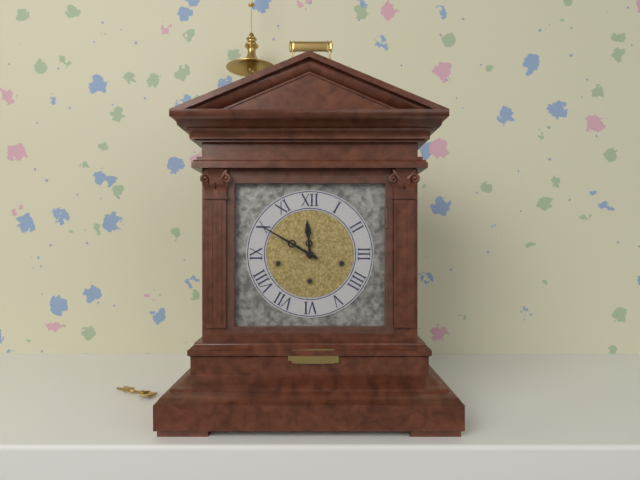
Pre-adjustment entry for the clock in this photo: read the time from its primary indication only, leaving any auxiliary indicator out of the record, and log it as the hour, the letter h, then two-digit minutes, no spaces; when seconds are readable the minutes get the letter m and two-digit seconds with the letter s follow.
11h50
